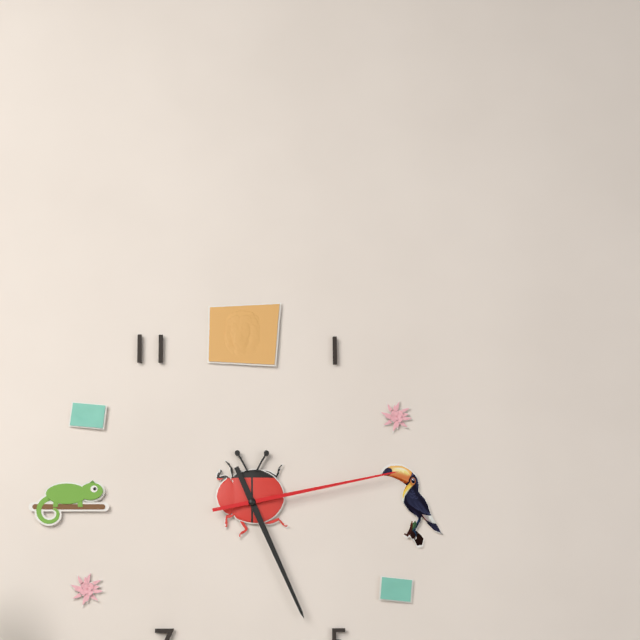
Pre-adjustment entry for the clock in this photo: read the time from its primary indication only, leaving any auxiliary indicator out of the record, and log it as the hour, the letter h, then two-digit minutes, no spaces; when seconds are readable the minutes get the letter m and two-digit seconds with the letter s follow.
5h13
